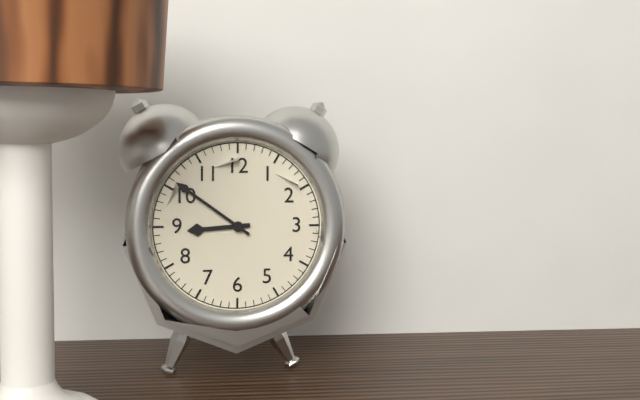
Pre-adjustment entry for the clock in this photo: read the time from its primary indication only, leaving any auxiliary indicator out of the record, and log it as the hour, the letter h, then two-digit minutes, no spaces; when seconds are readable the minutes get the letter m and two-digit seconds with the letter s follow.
8h51
